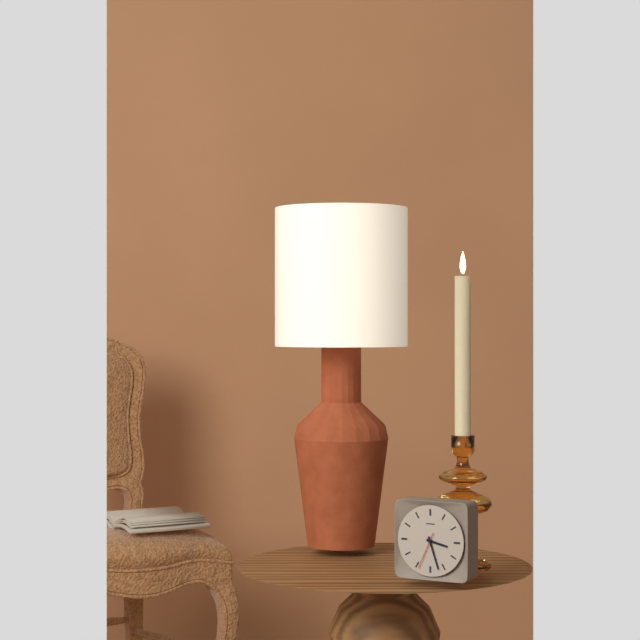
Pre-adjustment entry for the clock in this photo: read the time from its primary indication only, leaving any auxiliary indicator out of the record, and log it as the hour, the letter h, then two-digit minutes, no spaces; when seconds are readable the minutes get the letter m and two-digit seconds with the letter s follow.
3h27
